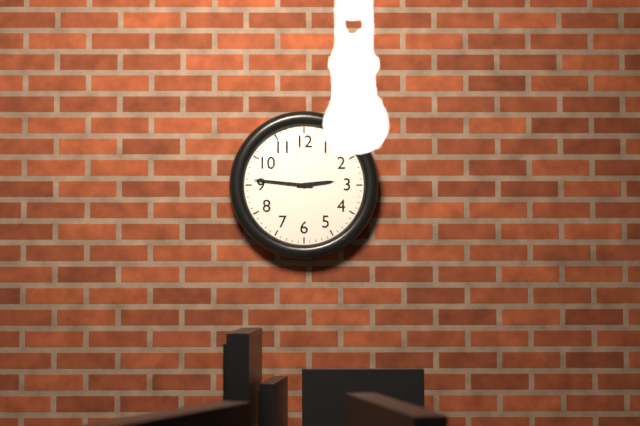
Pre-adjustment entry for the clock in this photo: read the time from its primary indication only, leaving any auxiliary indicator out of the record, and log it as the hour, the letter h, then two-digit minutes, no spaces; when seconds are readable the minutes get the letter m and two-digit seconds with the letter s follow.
2h46
